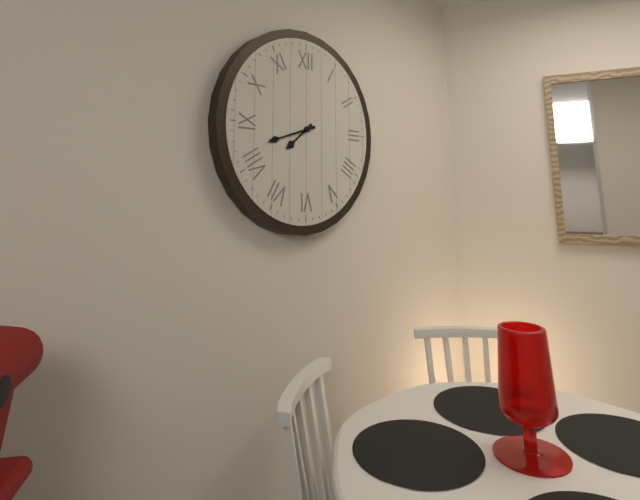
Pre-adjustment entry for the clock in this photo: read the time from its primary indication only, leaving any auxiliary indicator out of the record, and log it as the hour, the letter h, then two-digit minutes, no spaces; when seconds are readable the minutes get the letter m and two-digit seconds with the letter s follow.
7h42
